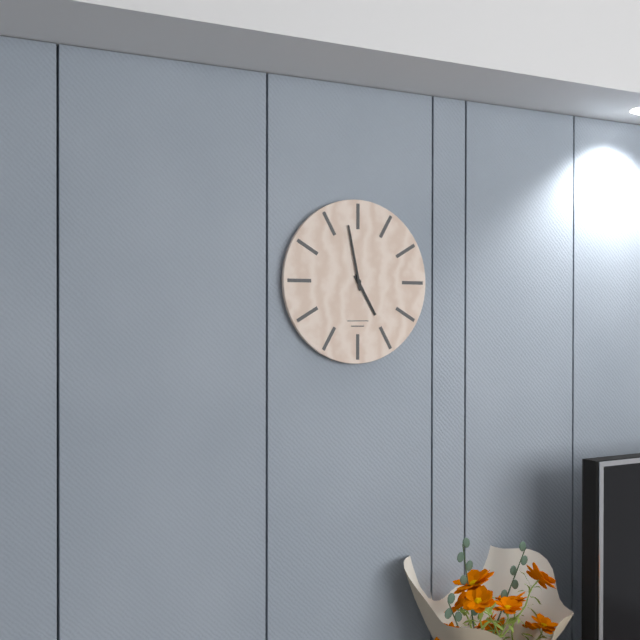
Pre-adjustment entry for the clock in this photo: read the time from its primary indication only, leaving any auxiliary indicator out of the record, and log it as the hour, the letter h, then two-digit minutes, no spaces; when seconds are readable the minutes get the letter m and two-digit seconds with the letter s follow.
4h58
